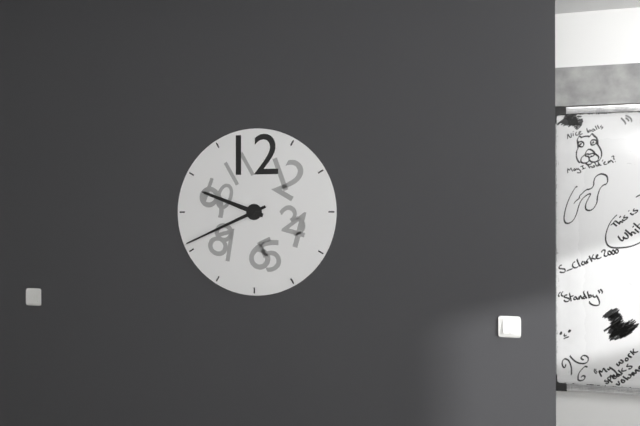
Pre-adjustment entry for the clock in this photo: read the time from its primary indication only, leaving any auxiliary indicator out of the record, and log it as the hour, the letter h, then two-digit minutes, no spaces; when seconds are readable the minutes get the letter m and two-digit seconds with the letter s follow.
9h41
